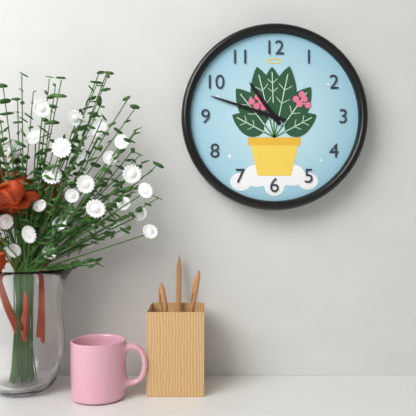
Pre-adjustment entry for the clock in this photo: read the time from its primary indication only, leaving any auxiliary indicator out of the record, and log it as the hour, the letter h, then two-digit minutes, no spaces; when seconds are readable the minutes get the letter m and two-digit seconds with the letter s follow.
10h48
